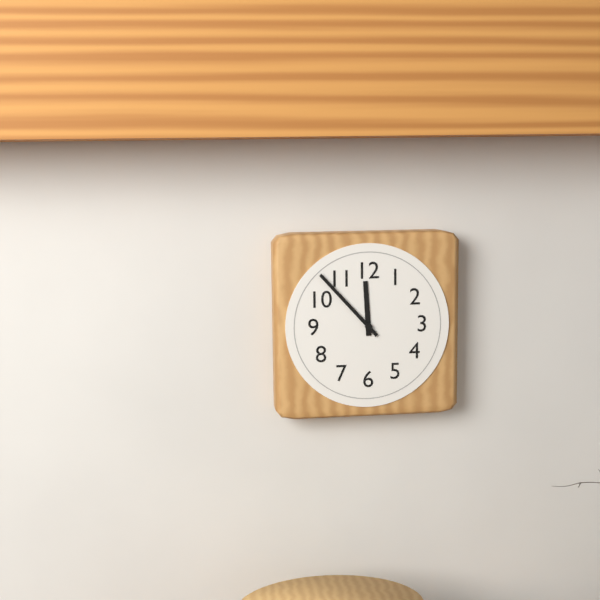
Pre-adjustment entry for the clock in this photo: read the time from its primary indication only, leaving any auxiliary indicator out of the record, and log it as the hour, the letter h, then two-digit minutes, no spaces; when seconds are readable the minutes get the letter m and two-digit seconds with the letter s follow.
11h53
